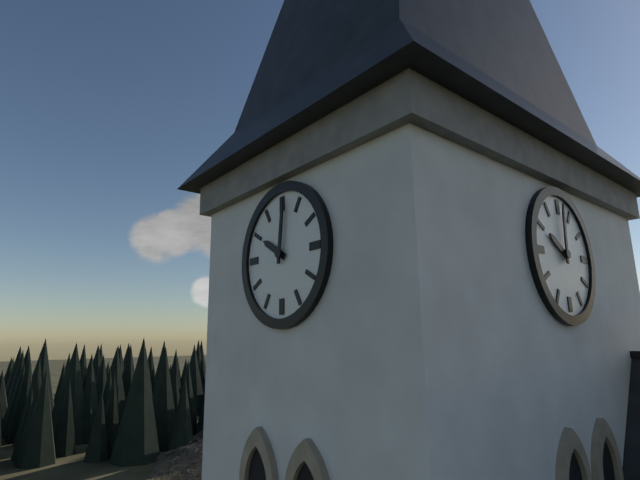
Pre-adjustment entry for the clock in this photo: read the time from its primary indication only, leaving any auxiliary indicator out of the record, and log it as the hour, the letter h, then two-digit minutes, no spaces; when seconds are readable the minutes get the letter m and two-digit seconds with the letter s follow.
10h01
